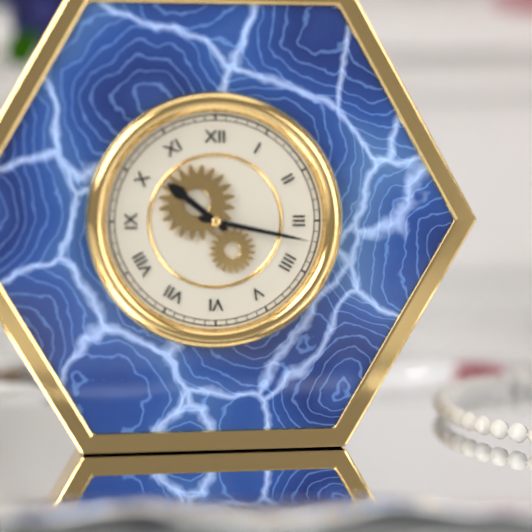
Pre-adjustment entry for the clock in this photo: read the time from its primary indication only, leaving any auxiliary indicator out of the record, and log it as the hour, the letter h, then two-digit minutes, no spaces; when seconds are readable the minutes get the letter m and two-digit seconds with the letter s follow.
10h17
